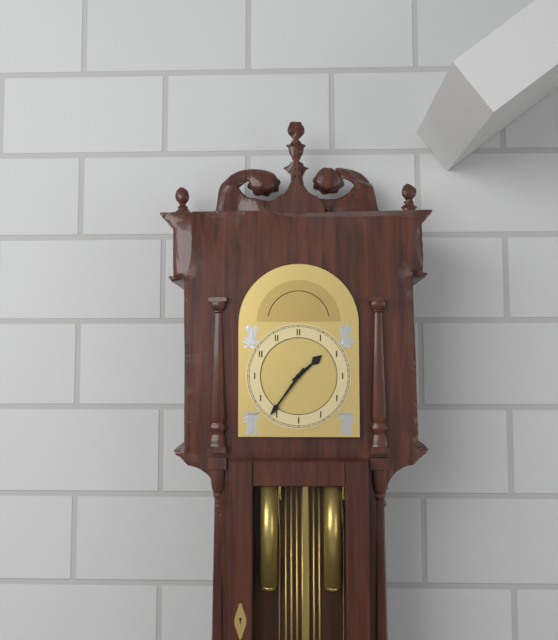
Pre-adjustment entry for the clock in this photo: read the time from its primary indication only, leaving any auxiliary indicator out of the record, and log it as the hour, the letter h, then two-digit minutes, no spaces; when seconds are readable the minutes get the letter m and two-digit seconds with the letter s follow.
1h36
